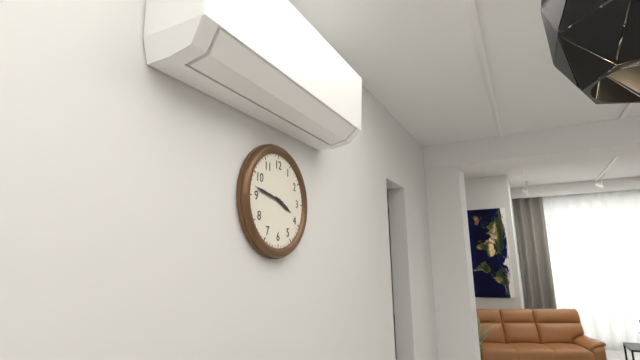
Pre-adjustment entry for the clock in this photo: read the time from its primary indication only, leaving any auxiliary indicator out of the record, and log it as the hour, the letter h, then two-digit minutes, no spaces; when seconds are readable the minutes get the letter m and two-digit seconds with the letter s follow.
3h47
